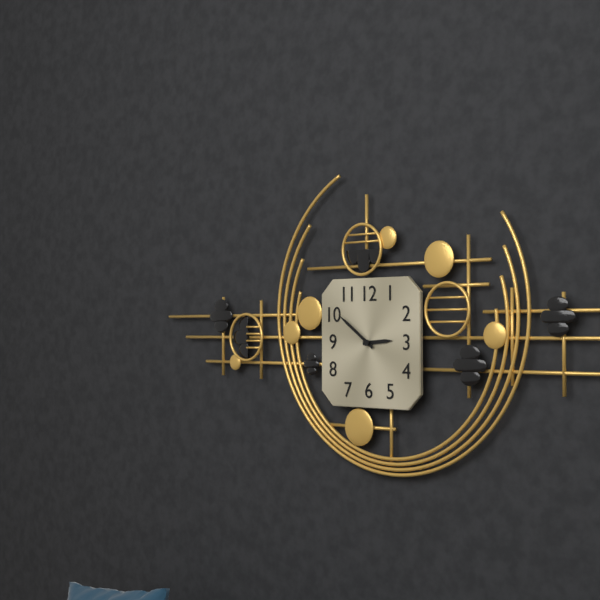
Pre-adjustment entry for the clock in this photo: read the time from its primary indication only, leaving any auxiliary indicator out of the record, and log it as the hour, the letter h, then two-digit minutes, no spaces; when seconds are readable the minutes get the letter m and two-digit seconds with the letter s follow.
2h51
